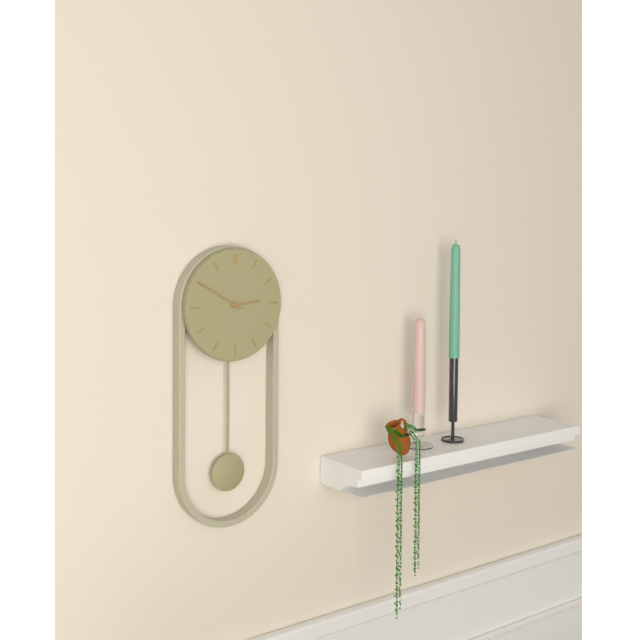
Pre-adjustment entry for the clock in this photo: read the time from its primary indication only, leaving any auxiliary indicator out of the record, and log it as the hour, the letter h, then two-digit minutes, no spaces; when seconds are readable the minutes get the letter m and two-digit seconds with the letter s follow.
2h50
